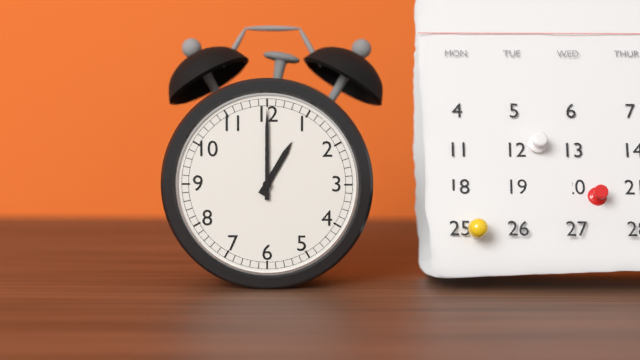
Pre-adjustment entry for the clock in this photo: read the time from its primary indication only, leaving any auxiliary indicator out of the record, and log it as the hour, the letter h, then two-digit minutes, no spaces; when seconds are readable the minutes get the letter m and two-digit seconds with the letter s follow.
1h00
